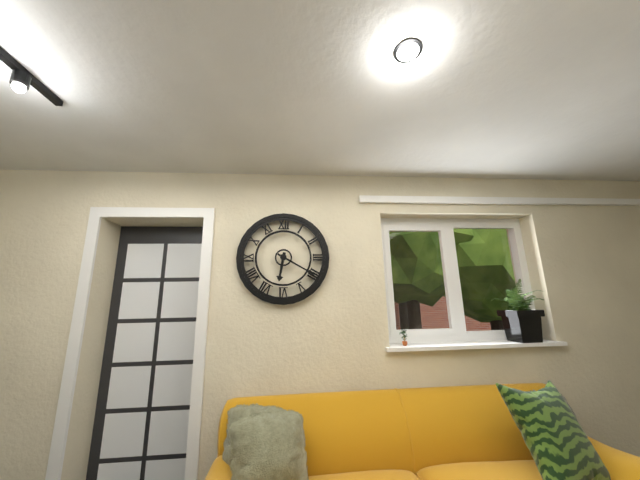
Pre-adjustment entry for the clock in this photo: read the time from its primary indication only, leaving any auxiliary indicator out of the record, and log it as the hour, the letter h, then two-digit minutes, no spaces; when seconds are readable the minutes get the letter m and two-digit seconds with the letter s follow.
6h20
